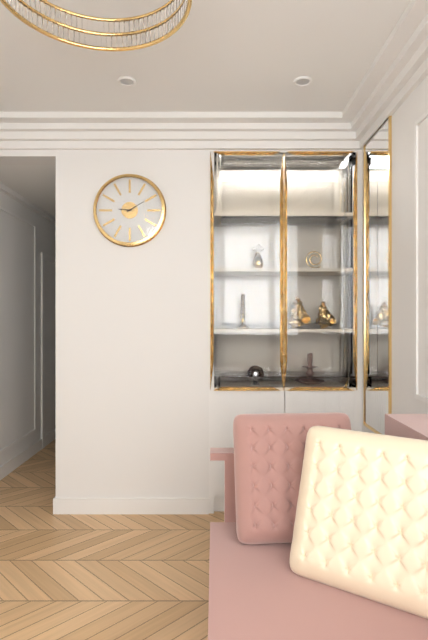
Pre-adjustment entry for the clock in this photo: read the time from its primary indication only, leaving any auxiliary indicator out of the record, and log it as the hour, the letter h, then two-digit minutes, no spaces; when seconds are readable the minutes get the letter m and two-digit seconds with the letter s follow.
9h10
